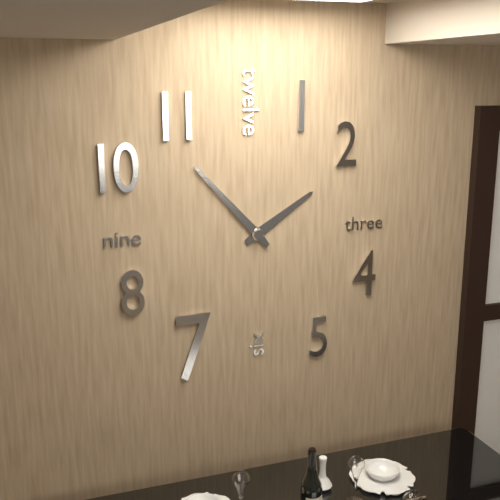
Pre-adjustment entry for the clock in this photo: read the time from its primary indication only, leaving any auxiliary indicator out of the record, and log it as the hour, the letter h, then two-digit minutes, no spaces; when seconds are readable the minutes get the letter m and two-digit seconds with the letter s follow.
1h53
